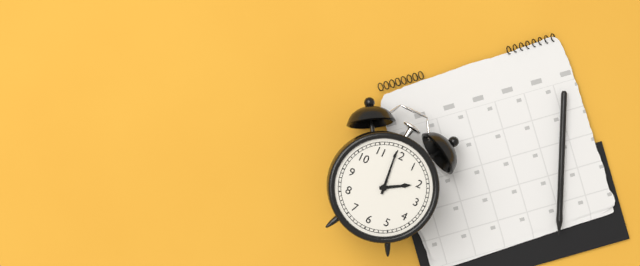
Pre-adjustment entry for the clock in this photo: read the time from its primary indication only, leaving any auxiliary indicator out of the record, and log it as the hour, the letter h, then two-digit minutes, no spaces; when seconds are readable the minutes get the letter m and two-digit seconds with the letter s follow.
1h59
